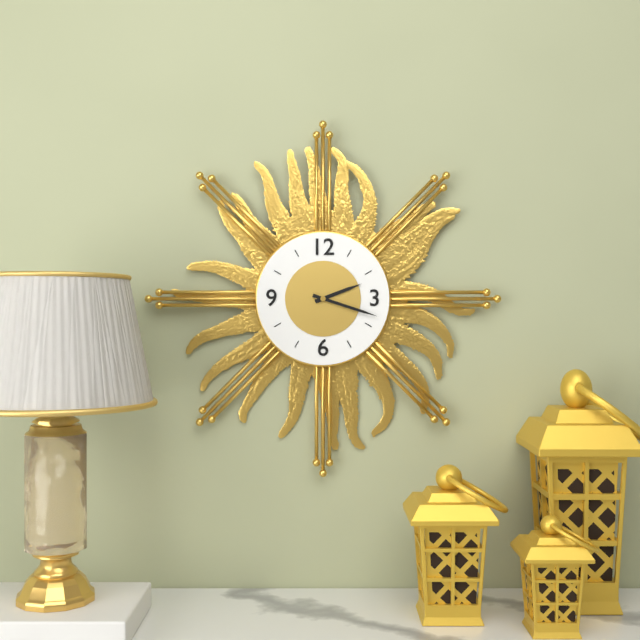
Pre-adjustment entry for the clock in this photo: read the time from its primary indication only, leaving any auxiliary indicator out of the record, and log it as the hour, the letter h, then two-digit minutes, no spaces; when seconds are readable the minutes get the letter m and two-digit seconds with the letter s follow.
2h18
